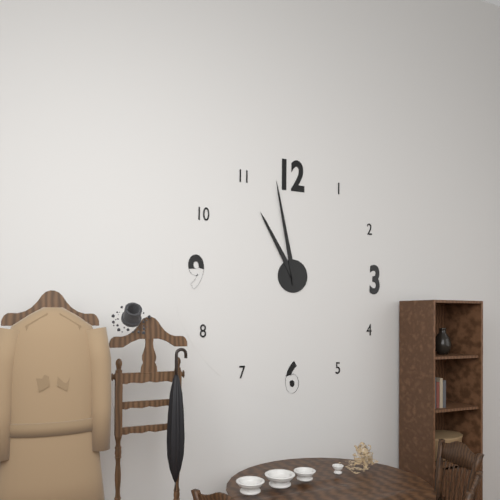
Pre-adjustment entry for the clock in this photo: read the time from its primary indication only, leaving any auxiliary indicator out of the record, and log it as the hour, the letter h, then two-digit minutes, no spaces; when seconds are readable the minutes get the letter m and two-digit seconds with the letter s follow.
10h58
